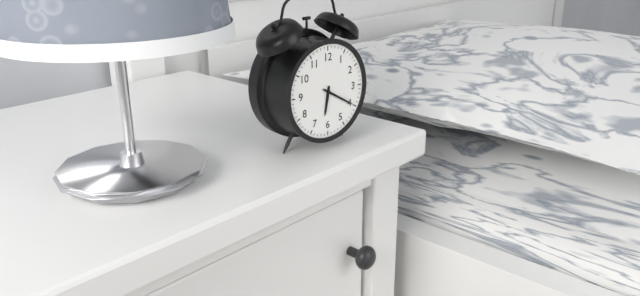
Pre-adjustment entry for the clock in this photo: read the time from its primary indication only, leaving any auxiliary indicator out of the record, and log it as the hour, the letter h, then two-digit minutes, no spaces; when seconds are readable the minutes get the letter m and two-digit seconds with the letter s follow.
6h20
